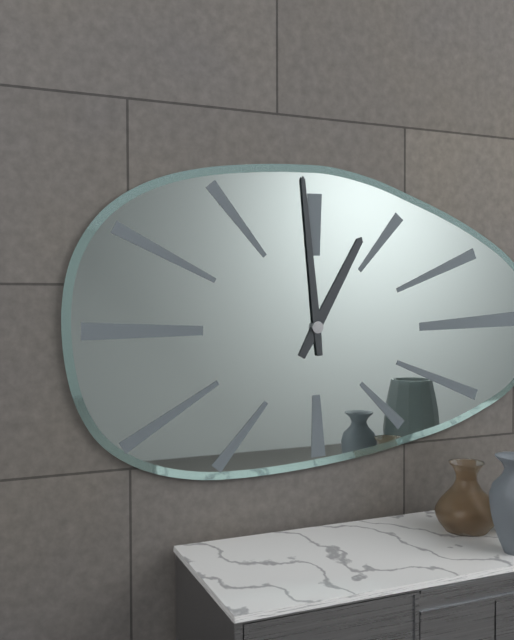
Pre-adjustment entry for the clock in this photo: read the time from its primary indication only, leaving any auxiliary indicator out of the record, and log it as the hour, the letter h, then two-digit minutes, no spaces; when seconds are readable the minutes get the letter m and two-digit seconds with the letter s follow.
12h59
